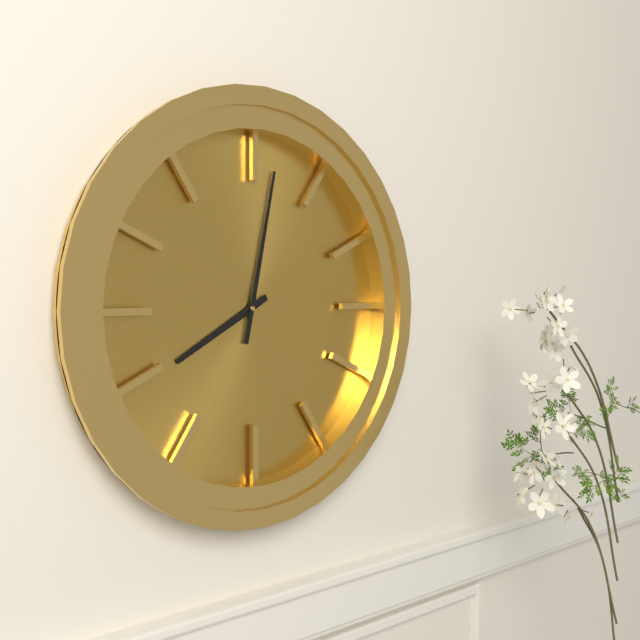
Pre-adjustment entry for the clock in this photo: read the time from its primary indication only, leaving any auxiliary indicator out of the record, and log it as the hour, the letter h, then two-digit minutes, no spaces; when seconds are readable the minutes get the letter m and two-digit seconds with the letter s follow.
8h02
